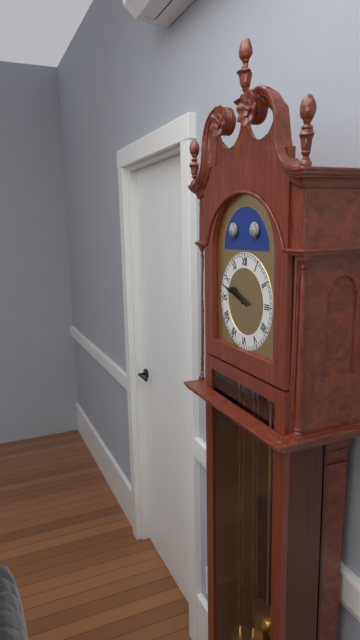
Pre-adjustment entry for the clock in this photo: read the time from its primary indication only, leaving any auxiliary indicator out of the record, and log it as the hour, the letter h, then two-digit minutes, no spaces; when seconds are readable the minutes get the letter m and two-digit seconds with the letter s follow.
9h48
